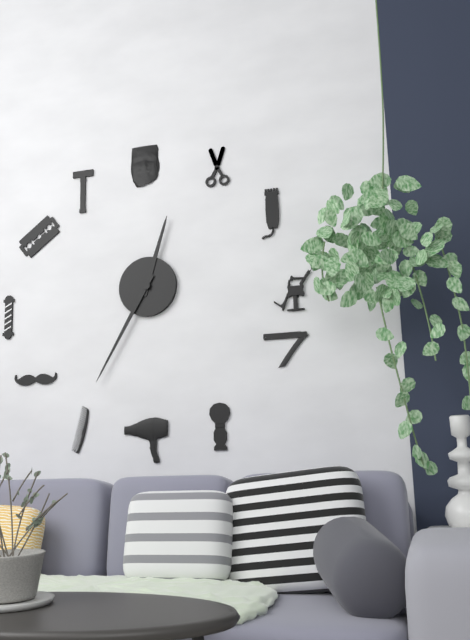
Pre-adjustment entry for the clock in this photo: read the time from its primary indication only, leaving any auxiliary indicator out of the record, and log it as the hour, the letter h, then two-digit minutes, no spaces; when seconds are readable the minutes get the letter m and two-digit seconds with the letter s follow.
12h35
